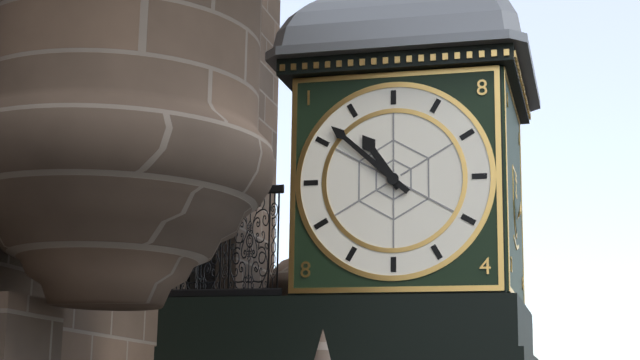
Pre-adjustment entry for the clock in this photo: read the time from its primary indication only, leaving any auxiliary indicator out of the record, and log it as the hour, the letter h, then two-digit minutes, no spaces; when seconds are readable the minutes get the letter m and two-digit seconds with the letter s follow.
10h52
